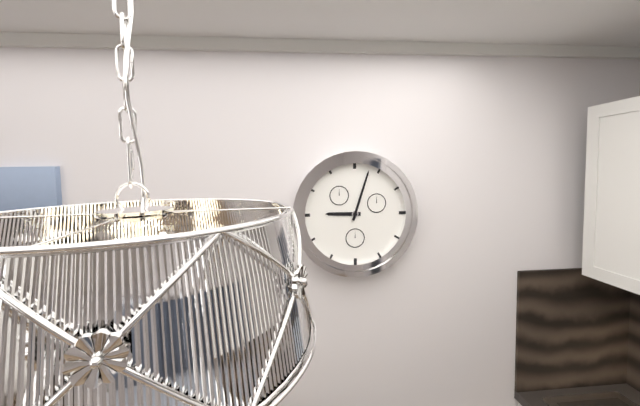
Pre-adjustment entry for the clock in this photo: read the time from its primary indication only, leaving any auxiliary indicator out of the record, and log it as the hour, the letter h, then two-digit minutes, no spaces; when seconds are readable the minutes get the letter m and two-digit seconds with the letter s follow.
9h03
